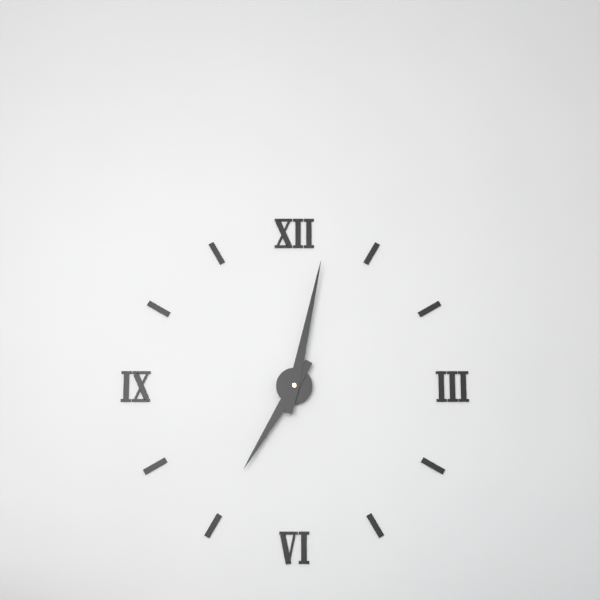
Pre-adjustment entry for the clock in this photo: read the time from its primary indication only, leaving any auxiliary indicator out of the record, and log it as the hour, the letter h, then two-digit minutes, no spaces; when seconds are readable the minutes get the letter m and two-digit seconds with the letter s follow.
7h02
